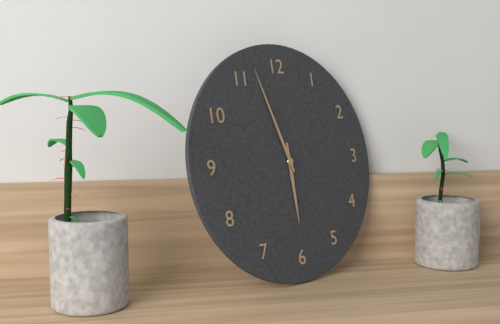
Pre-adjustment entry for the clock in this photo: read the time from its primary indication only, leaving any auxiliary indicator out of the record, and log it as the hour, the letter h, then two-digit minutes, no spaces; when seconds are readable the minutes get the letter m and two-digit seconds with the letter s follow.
5h57
